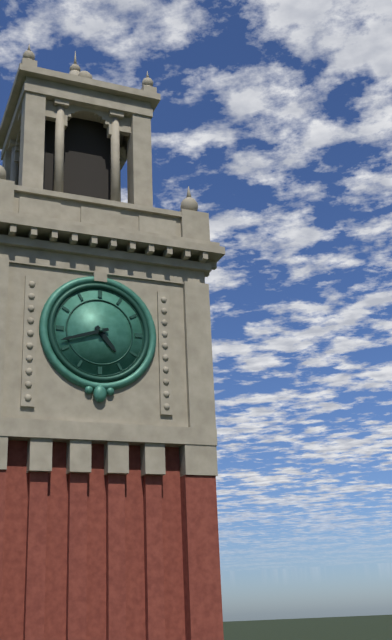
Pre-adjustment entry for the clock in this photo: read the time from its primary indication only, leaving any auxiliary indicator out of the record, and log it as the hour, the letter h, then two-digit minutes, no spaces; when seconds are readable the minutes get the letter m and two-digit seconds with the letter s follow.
4h42
